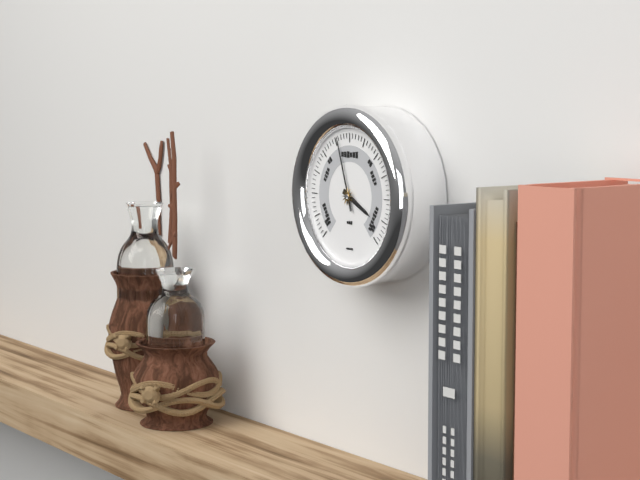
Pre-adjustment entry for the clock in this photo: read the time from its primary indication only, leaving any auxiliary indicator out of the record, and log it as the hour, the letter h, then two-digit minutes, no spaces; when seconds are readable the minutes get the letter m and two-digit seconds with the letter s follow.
3h57
